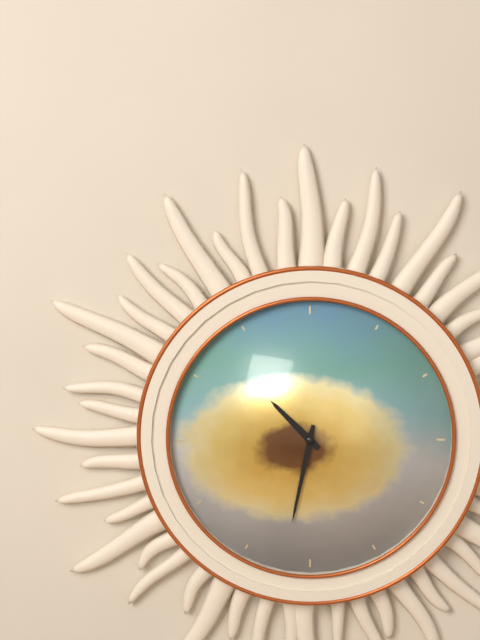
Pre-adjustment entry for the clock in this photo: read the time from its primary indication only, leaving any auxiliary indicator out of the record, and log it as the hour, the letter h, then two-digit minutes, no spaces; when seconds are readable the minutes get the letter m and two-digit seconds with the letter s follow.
10h32
